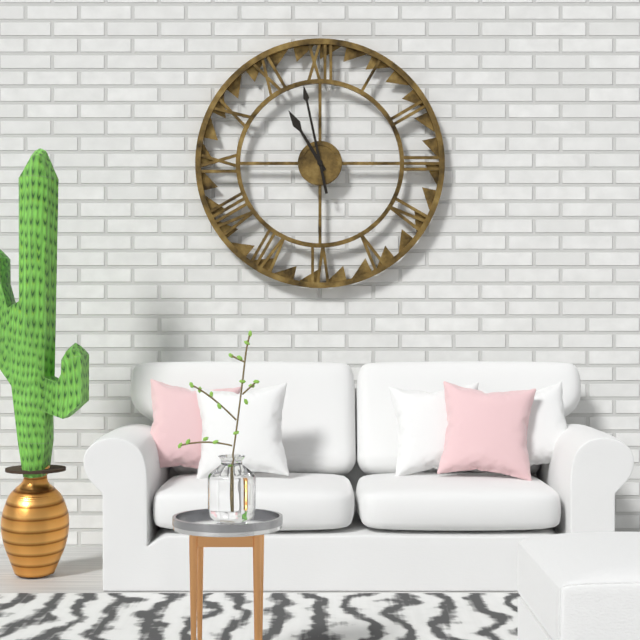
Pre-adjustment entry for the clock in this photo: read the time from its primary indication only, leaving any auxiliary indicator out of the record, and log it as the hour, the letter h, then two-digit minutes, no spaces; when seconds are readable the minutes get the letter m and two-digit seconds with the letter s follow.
10h58
